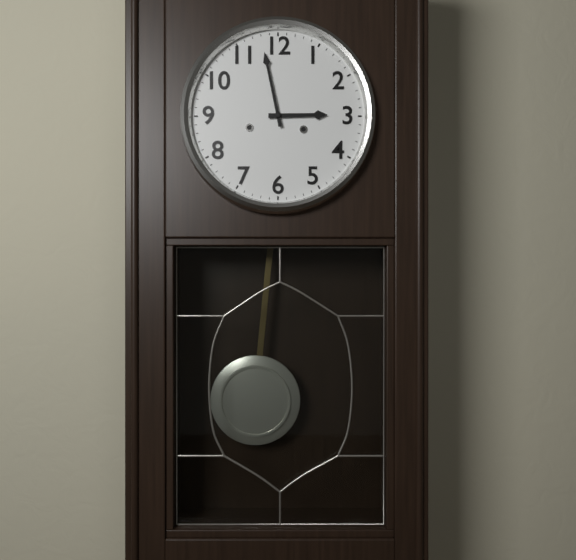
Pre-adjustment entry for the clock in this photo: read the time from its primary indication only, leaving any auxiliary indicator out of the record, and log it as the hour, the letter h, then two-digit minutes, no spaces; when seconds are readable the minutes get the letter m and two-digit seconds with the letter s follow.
2h58
